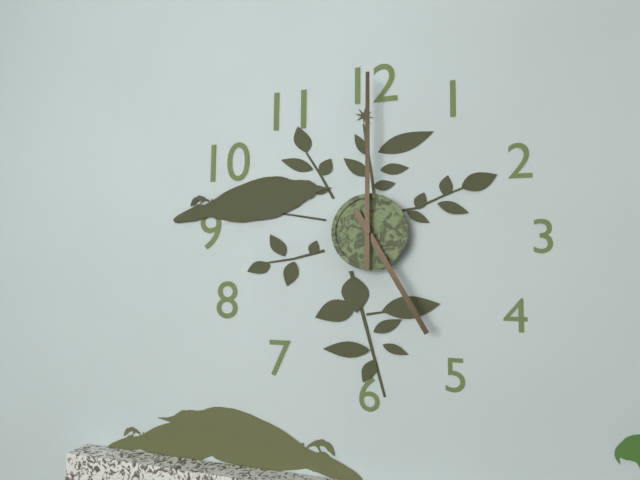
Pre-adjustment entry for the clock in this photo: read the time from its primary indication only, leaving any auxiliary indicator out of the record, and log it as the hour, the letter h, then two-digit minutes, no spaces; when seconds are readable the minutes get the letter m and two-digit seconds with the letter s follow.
5h00
